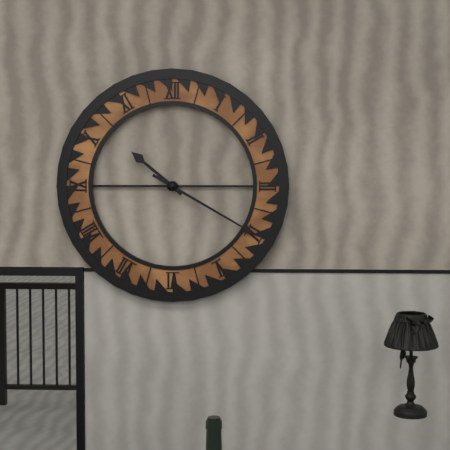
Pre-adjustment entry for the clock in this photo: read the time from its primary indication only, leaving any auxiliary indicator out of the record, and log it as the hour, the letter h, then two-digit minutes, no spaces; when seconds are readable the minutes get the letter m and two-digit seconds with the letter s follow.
10h20
